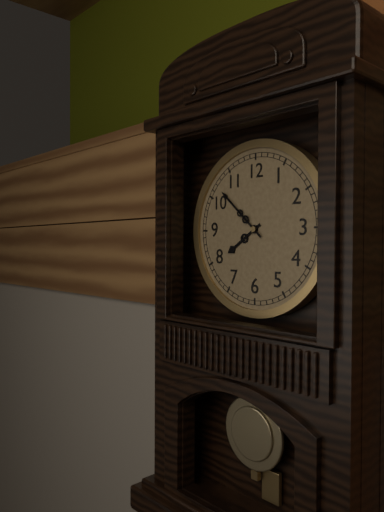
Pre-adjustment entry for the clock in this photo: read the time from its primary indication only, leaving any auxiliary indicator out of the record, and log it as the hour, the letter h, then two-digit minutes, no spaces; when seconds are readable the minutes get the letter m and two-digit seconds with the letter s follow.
7h52
